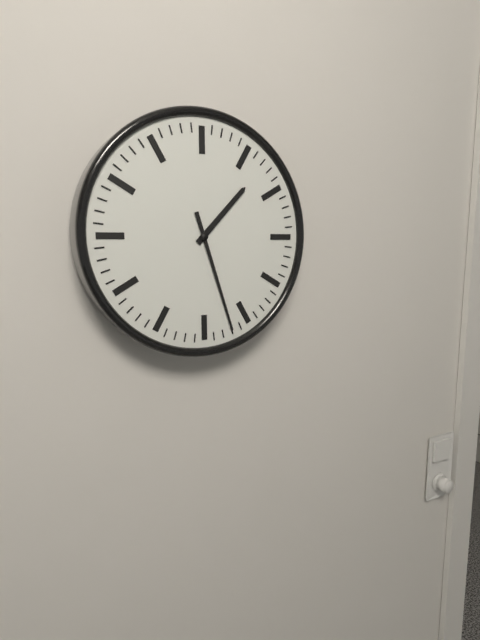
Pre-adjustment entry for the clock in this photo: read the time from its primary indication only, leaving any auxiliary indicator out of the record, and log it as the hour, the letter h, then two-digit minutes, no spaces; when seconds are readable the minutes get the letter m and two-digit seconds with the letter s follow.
1h27
